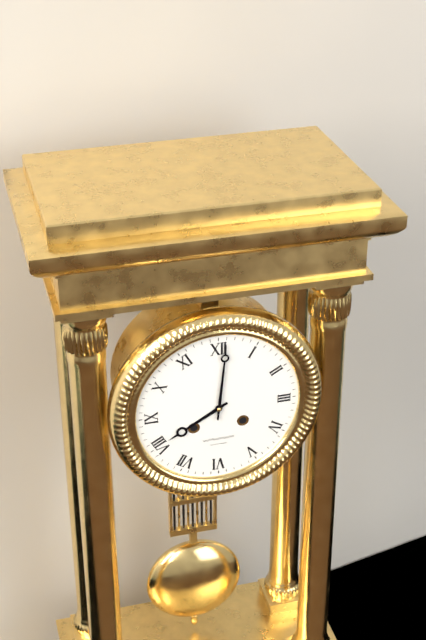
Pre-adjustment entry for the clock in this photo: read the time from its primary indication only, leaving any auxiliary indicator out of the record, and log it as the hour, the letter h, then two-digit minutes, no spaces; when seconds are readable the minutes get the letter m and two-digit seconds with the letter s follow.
8h01
